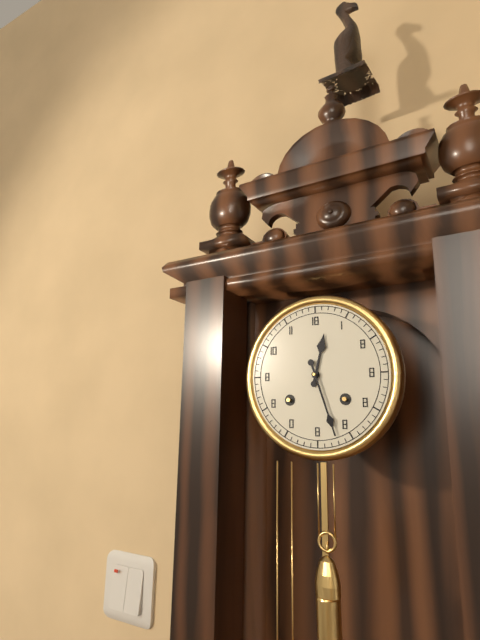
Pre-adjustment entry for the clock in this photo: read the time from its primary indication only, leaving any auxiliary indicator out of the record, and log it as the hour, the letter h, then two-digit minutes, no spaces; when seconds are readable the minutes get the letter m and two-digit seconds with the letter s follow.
12h27
